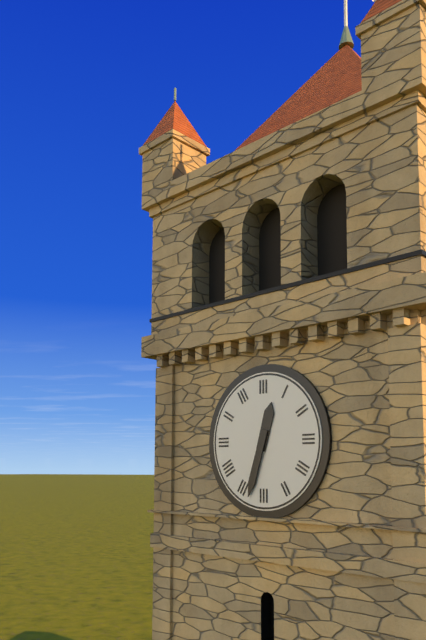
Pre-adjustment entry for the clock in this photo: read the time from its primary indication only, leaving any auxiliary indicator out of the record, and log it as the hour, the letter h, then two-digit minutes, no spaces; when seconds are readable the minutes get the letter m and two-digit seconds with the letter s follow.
12h33
